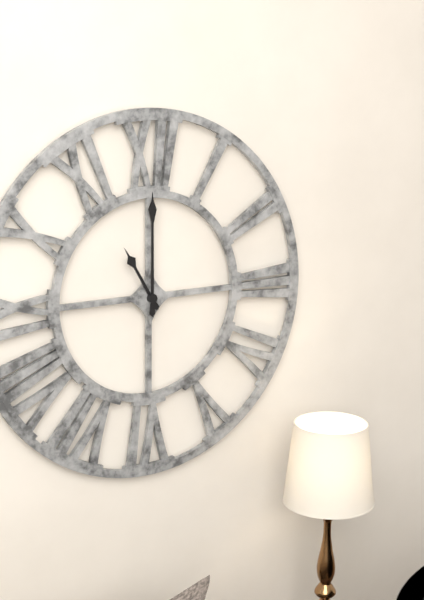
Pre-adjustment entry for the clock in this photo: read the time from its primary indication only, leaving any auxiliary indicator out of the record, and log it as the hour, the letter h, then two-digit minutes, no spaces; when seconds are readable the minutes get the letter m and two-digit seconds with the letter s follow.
11h00
